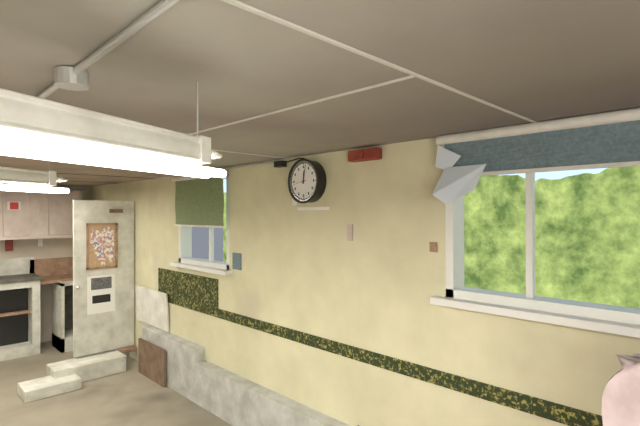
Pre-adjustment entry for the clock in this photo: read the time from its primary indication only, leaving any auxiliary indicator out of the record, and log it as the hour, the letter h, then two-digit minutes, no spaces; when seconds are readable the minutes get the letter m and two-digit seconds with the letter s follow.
12h02
